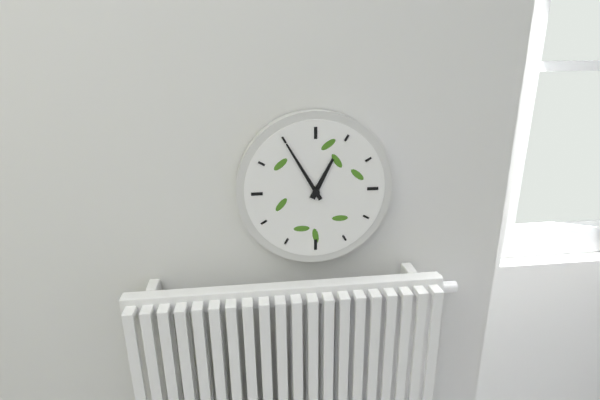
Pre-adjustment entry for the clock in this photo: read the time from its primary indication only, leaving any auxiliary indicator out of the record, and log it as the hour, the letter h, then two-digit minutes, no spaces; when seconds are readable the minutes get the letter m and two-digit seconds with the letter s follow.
12h55
